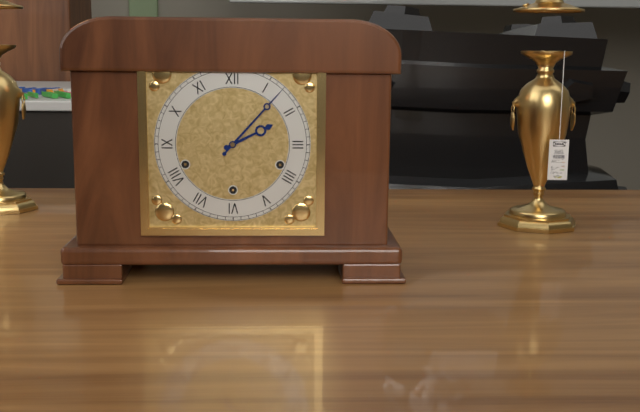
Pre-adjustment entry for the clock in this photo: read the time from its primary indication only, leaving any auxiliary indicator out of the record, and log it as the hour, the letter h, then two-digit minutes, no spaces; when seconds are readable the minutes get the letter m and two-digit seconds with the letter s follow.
2h07
